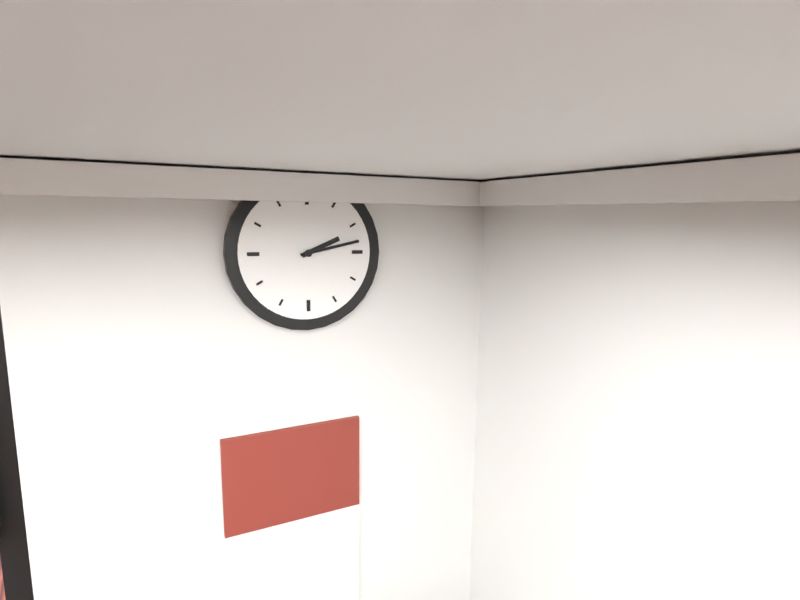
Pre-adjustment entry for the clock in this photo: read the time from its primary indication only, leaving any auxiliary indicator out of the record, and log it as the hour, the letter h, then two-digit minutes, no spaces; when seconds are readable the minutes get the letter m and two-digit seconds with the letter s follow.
2h13
